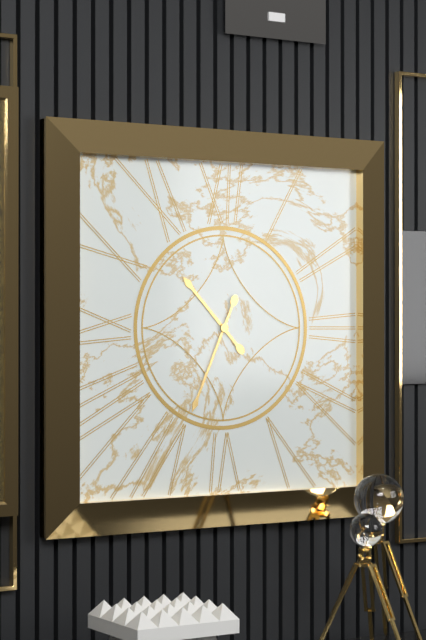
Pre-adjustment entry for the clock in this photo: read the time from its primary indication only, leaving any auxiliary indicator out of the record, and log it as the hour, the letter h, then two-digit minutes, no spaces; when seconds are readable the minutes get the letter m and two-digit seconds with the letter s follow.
10h34
